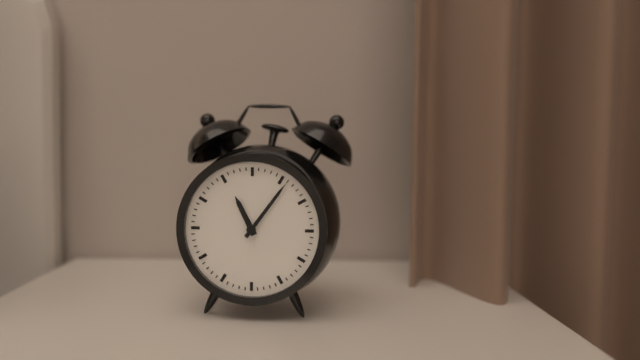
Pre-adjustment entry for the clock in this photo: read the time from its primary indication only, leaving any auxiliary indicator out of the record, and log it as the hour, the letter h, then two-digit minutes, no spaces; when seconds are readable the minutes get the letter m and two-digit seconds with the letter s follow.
11h06
